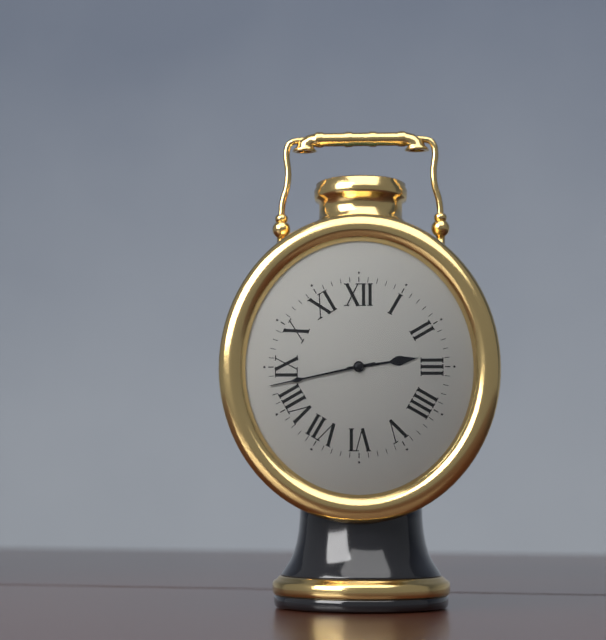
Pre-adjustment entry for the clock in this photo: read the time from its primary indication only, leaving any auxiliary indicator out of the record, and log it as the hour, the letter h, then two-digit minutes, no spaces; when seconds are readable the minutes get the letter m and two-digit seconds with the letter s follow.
2h43
